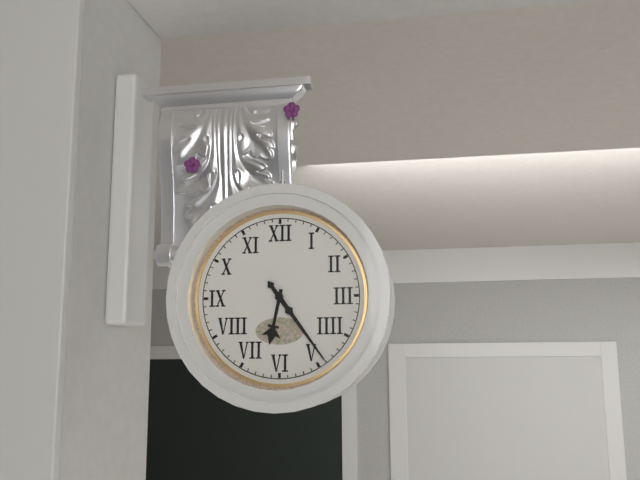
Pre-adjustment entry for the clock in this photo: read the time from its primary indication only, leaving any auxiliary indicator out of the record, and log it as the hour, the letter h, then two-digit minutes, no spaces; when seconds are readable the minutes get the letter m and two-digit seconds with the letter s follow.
6h24
